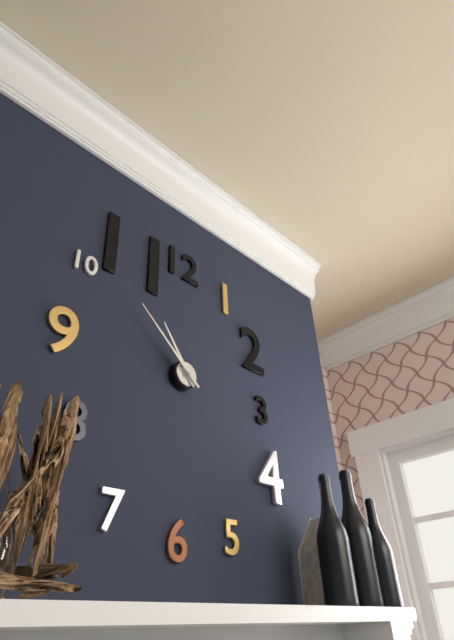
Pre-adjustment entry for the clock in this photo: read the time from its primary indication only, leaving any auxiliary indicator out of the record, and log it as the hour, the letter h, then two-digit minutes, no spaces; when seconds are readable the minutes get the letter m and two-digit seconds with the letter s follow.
10h52
